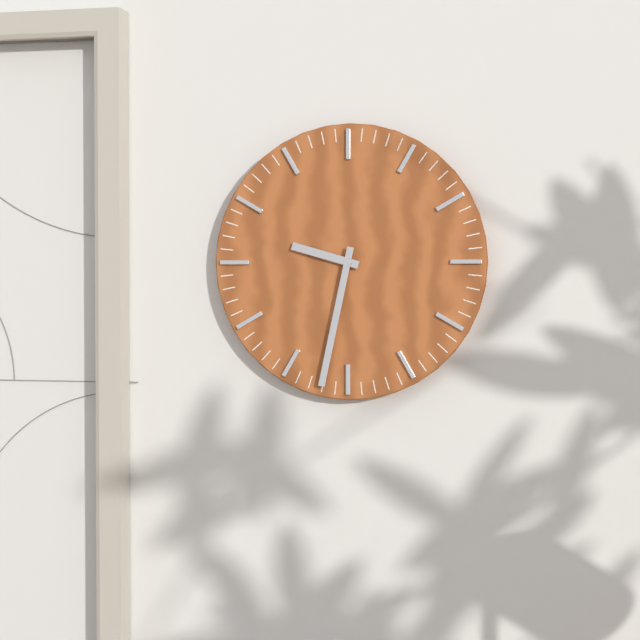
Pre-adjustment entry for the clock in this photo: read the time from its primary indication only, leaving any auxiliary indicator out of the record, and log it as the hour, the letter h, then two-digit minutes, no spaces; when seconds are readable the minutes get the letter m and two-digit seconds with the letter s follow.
9h32
